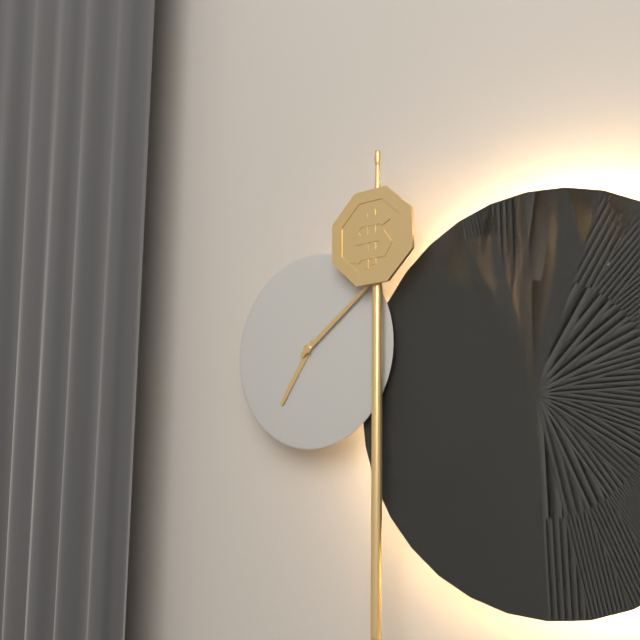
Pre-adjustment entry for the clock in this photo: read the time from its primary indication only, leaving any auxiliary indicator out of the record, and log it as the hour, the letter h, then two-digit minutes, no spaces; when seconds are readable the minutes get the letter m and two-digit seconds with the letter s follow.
7h09
